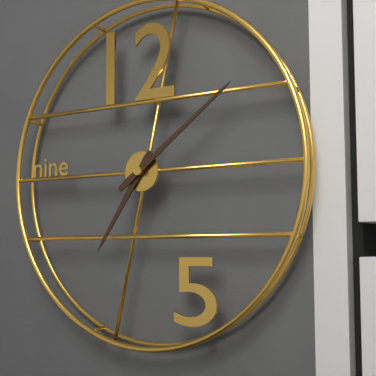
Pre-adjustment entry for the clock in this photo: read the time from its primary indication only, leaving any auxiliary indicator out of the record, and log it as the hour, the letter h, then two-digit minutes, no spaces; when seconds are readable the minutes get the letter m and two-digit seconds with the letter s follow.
7h09
